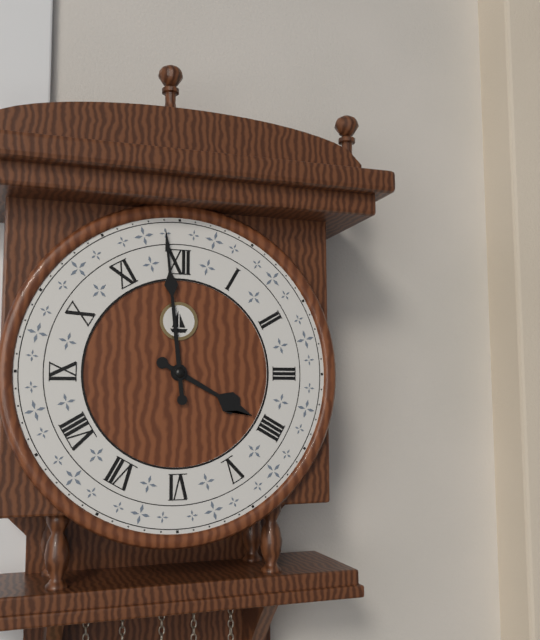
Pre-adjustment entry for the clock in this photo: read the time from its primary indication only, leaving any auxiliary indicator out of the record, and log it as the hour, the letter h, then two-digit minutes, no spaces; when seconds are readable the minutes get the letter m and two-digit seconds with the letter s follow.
3h59
